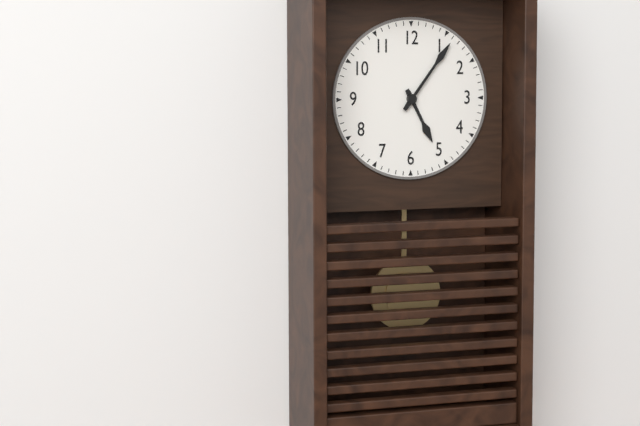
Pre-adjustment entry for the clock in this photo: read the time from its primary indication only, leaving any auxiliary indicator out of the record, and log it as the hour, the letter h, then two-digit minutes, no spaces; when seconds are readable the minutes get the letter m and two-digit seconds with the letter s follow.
5h06
